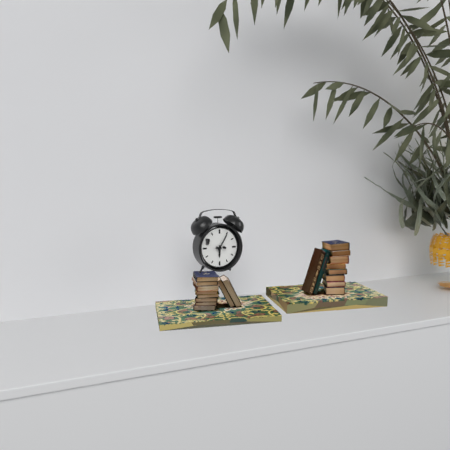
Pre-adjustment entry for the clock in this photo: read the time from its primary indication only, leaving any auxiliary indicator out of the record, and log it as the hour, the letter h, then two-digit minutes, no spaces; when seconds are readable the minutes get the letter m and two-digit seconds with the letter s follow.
6h05
